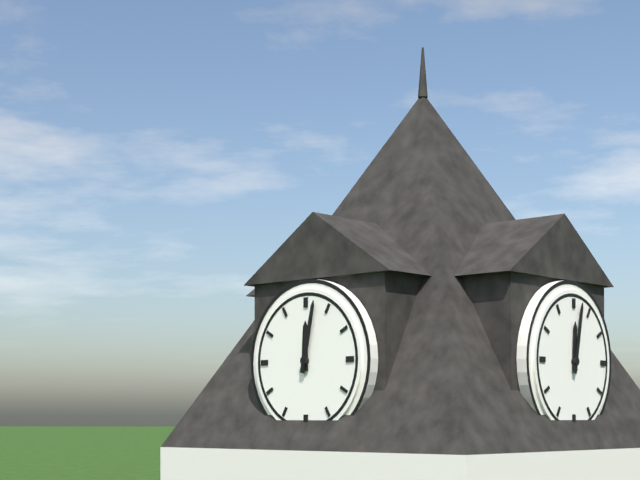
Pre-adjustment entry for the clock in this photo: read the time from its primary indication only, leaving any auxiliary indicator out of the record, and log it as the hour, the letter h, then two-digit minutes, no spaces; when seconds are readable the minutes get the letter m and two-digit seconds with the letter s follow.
12h02
